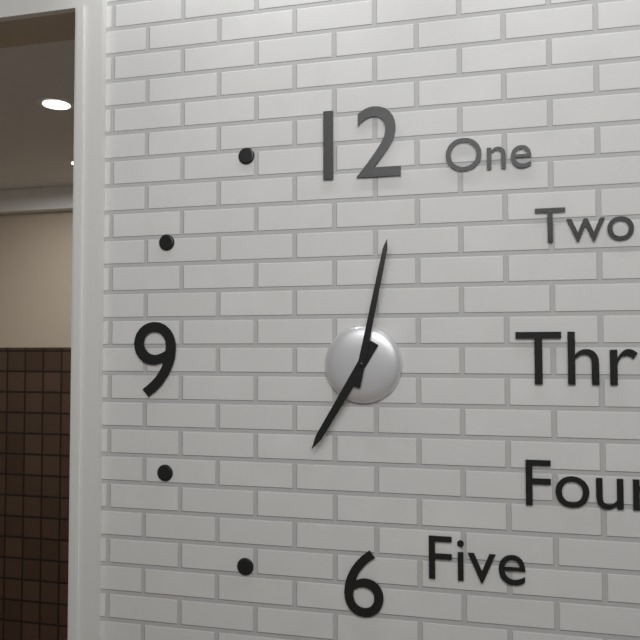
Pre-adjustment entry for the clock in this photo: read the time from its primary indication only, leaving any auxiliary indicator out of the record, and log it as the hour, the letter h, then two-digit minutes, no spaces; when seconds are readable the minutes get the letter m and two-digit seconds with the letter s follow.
7h02
